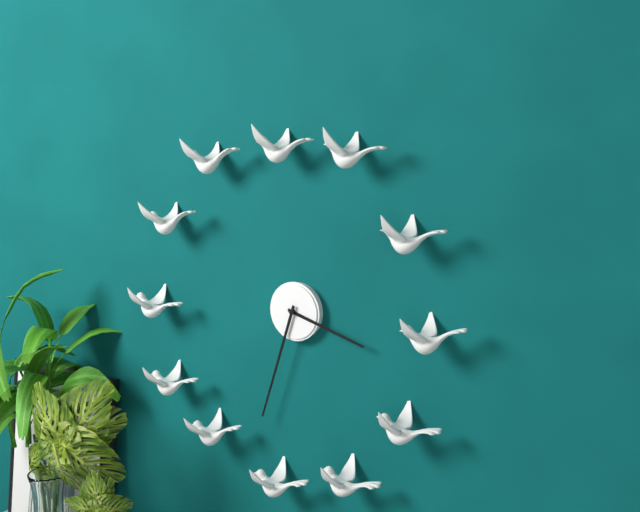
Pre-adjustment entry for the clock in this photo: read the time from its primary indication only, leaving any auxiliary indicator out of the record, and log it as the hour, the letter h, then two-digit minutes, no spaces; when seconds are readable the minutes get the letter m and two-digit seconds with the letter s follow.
3h33
